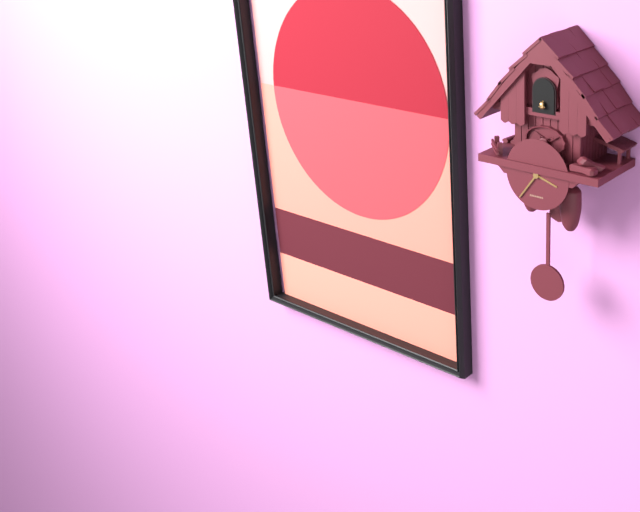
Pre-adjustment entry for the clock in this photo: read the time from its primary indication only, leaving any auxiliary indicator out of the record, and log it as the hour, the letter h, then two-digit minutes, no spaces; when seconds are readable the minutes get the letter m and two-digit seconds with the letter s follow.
3h36
